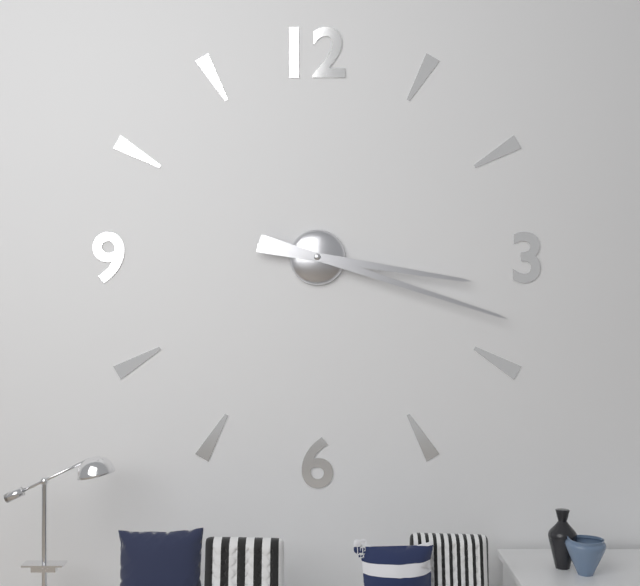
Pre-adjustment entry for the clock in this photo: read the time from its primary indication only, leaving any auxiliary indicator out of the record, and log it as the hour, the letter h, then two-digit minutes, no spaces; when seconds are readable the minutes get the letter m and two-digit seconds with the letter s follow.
3h18
